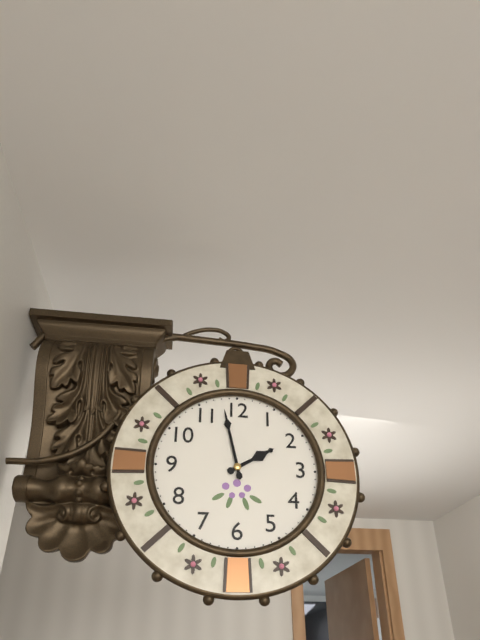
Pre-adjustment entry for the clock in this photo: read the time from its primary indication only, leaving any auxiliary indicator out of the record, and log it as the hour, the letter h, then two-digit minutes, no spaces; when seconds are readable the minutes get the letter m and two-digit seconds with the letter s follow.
1h58
